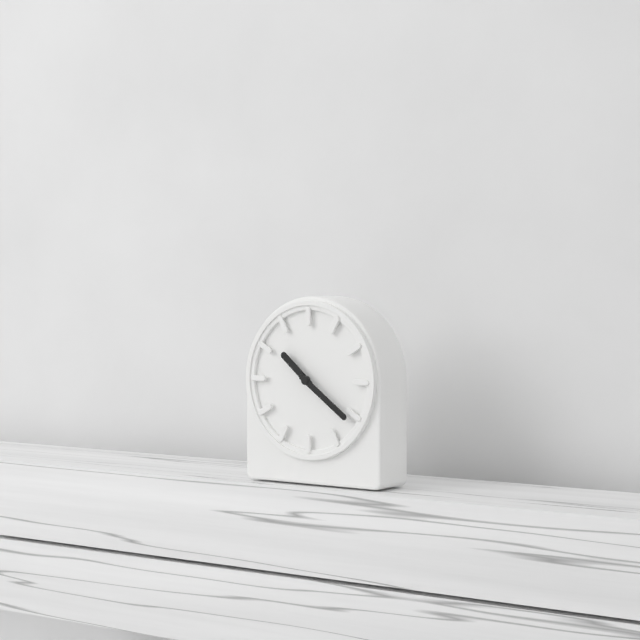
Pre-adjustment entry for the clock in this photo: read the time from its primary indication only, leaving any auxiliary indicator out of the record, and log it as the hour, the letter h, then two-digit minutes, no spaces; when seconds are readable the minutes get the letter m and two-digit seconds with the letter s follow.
10h21
